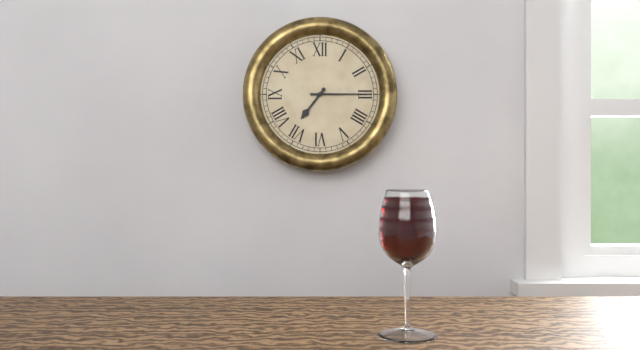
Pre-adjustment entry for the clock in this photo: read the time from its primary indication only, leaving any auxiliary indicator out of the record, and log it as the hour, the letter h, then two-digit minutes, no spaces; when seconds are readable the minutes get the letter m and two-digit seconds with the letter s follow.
7h15
